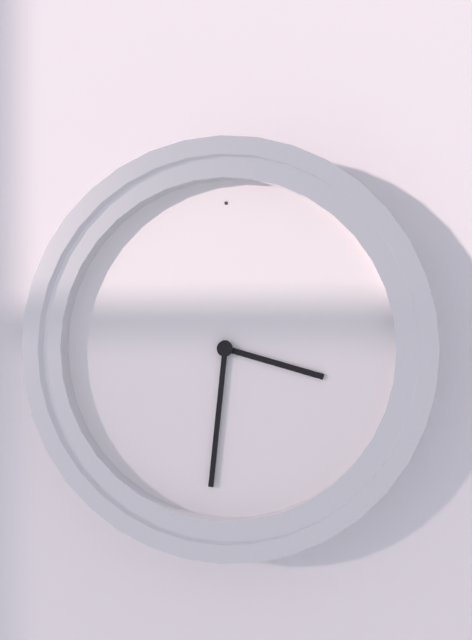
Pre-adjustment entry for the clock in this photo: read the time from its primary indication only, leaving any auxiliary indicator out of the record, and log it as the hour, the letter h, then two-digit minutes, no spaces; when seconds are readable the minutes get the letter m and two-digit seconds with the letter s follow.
3h31
